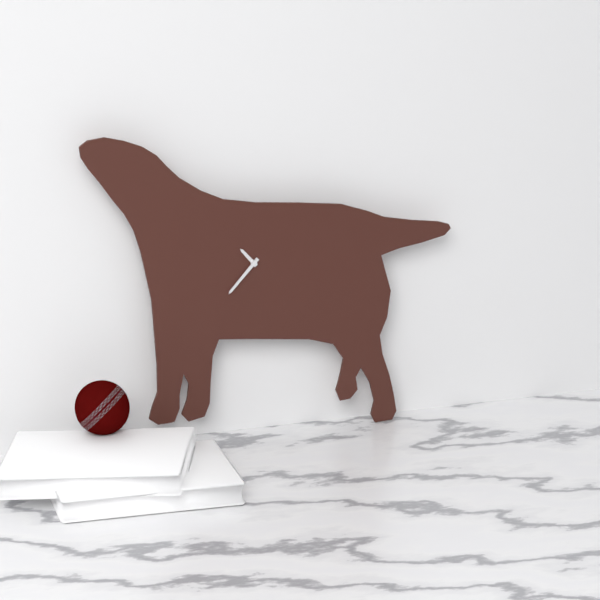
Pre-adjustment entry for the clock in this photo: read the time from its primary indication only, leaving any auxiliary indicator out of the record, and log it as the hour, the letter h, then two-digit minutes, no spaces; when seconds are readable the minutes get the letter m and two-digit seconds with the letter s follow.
10h37
